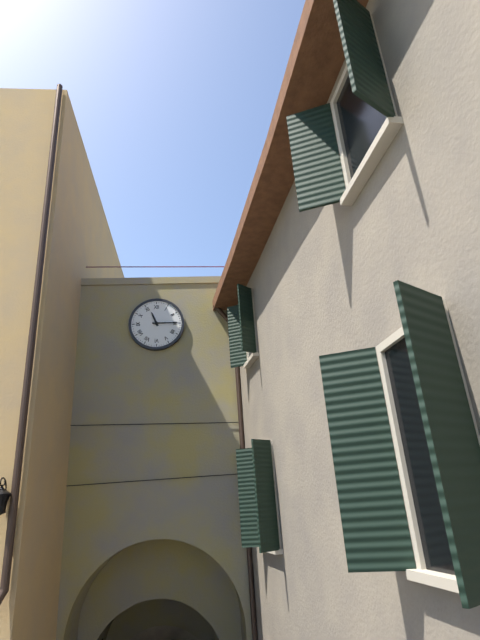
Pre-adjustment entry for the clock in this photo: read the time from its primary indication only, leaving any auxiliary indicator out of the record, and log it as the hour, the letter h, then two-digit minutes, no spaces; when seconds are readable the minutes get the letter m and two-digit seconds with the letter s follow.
11h15
